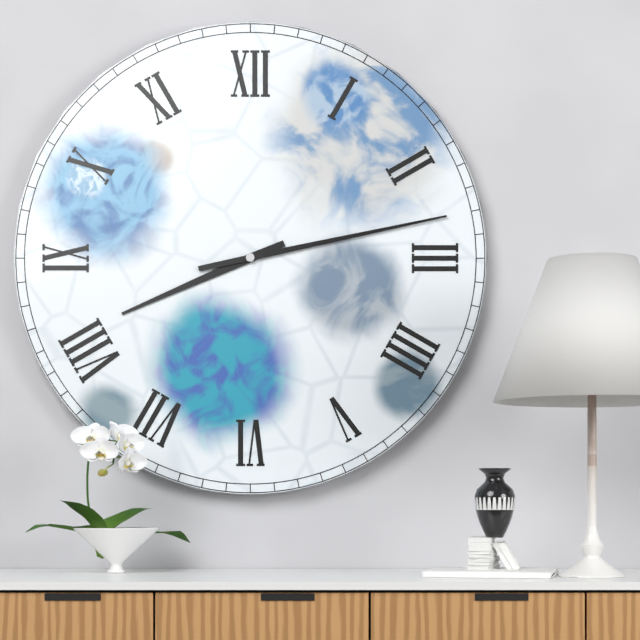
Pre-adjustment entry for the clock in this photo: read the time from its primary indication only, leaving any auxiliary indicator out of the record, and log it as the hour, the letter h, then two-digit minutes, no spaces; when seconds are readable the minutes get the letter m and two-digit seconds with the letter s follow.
8h13
